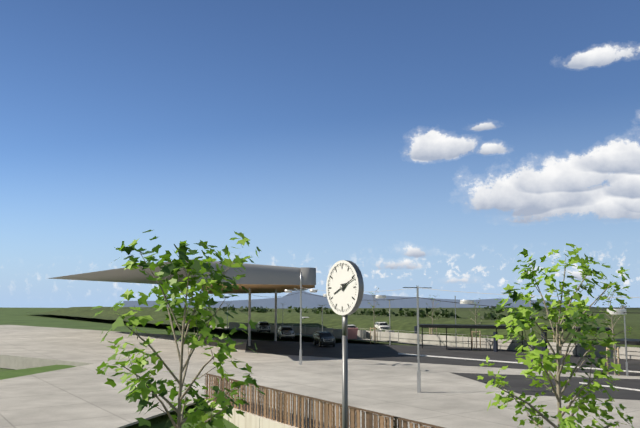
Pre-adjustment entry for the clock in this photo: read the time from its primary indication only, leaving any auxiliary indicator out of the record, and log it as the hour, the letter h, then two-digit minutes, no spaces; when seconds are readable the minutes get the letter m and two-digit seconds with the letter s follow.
8h11
